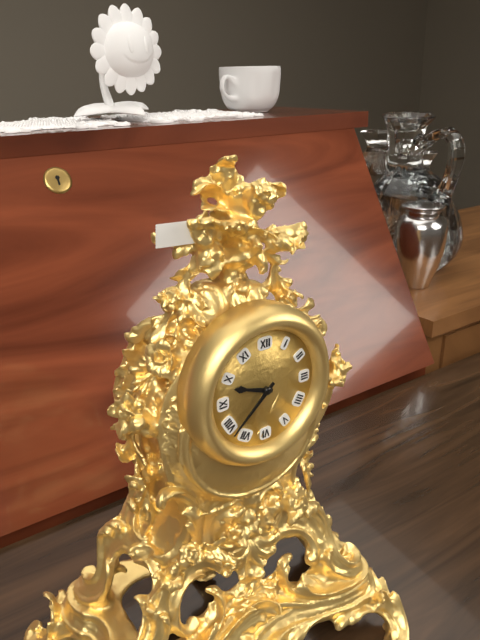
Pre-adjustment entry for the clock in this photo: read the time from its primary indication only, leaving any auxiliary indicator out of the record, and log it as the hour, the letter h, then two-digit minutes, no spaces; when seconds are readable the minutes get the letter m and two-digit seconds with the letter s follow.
9h38
